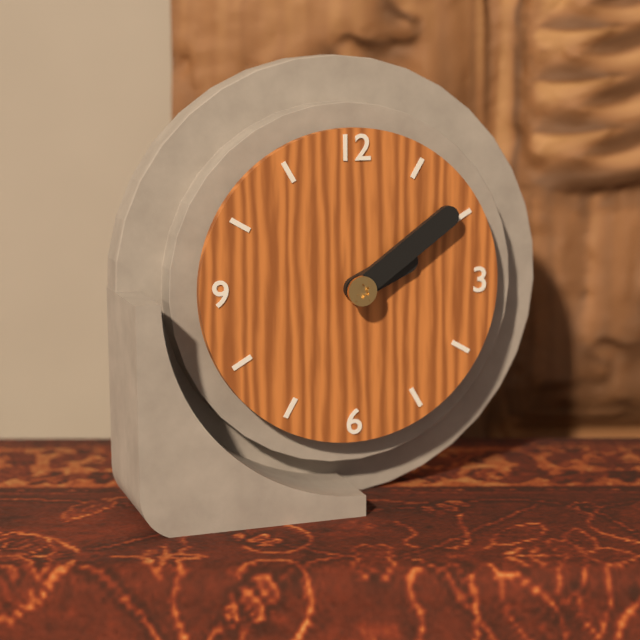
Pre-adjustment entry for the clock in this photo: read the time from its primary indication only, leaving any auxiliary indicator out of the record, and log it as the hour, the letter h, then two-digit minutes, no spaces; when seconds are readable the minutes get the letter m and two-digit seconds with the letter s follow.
2h09
